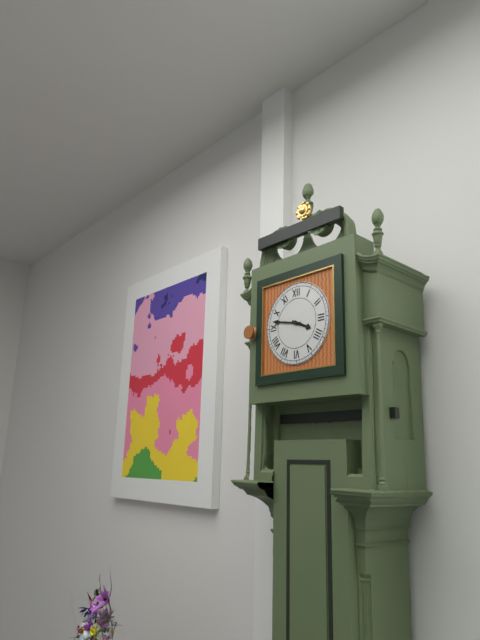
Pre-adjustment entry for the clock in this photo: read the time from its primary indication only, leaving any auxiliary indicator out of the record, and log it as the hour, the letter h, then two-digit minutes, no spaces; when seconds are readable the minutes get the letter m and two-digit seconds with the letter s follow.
3h47
